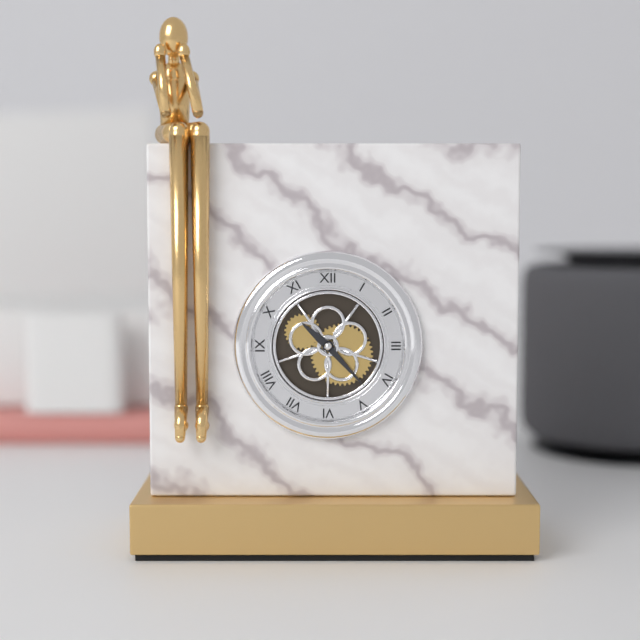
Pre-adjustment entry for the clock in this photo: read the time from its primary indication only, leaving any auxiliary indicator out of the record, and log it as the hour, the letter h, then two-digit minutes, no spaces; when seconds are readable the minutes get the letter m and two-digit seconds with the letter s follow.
10h23
